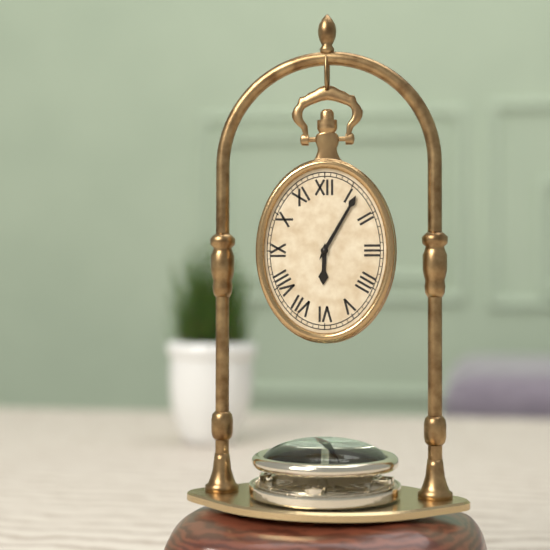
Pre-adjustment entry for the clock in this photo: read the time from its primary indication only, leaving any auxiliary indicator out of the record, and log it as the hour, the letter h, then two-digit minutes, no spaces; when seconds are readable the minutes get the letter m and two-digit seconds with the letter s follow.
6h05
